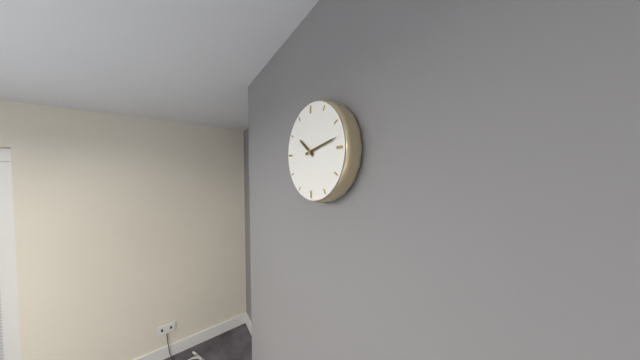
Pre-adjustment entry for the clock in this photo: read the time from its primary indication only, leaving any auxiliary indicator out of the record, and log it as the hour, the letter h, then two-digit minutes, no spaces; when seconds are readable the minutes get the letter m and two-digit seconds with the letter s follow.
10h13
